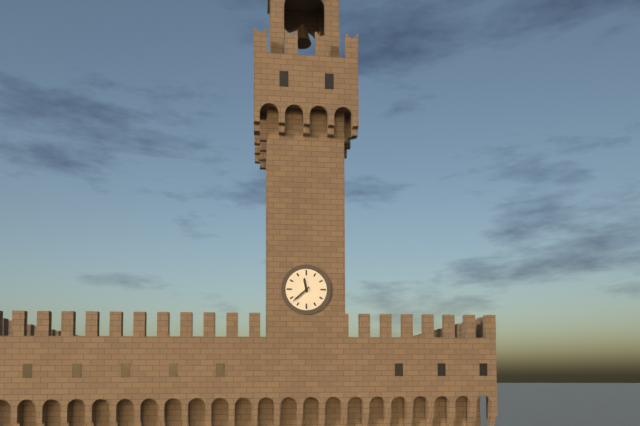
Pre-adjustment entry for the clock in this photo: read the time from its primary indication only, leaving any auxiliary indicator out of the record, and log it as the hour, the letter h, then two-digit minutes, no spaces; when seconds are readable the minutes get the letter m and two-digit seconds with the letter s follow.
11h38
